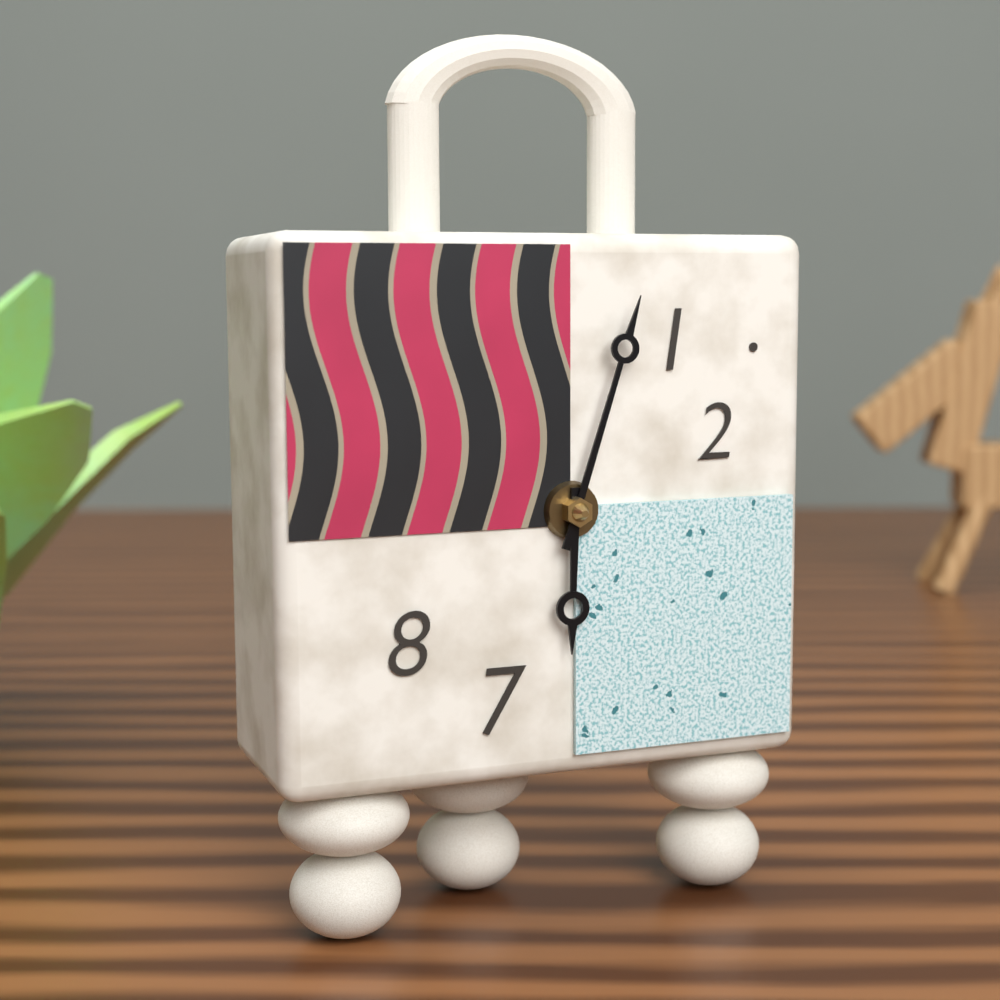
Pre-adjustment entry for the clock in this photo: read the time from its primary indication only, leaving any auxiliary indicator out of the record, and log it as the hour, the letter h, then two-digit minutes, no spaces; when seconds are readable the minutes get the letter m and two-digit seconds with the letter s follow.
6h03
